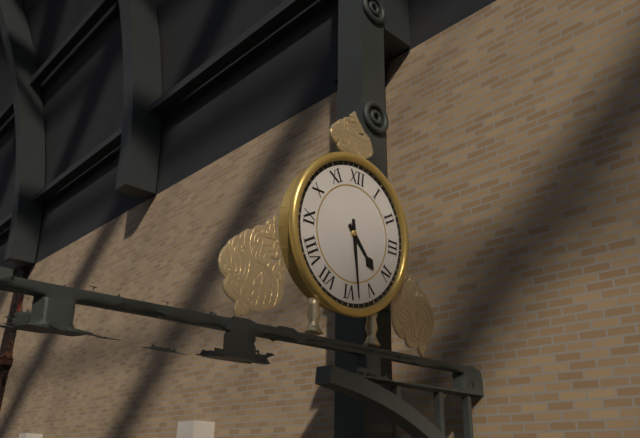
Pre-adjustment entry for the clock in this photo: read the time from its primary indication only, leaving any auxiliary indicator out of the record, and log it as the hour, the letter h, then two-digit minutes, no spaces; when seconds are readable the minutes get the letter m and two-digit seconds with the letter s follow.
4h28
